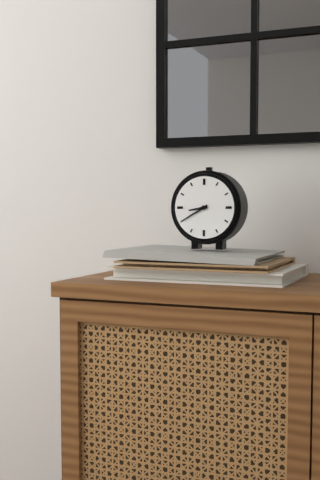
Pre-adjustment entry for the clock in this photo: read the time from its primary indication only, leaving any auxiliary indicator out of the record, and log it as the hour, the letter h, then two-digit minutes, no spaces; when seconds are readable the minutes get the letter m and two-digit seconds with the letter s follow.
8h40
